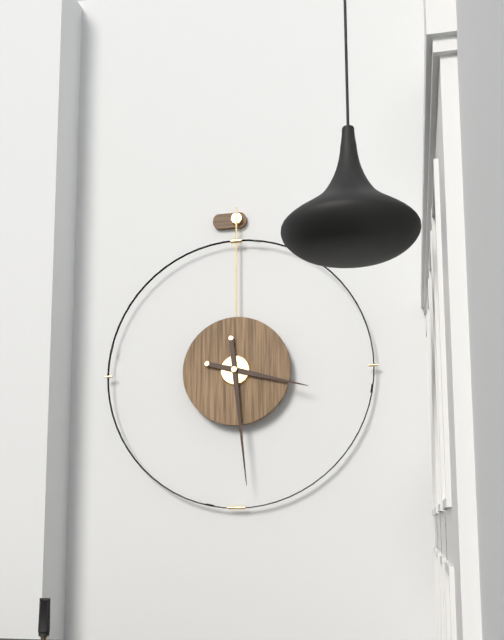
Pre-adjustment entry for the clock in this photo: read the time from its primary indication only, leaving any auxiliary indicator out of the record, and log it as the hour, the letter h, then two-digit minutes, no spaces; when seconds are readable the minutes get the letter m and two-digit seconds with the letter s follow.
3h29
